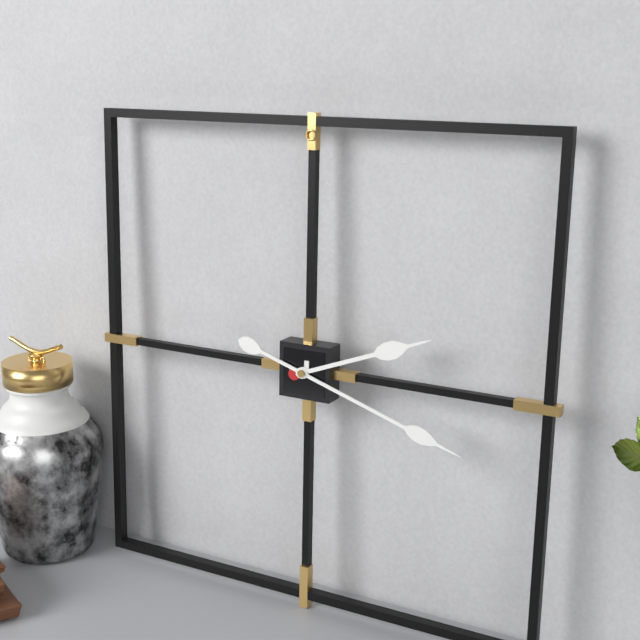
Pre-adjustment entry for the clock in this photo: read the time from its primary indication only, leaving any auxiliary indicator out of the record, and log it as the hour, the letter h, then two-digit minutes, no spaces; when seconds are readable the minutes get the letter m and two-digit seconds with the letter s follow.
2h18
